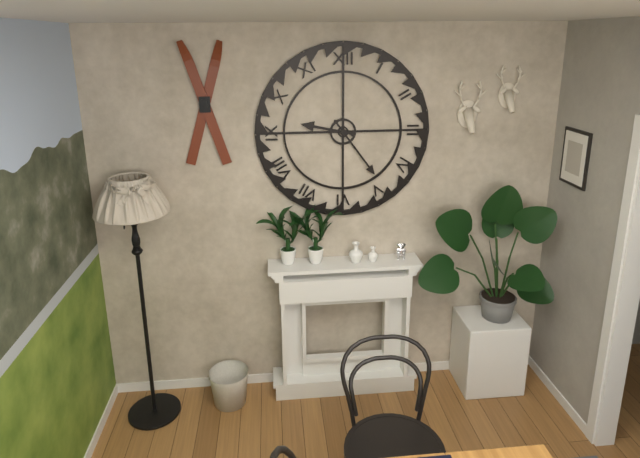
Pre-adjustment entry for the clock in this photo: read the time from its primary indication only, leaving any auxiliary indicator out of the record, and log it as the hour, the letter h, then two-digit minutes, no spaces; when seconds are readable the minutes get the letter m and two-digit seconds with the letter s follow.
9h24
